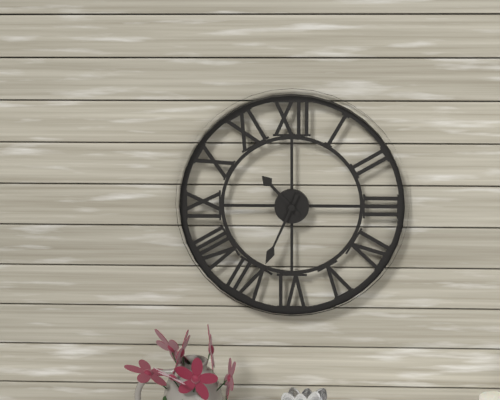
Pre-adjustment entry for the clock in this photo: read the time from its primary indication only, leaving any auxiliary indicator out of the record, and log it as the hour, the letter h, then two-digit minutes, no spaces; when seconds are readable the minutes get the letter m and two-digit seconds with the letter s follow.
10h34
